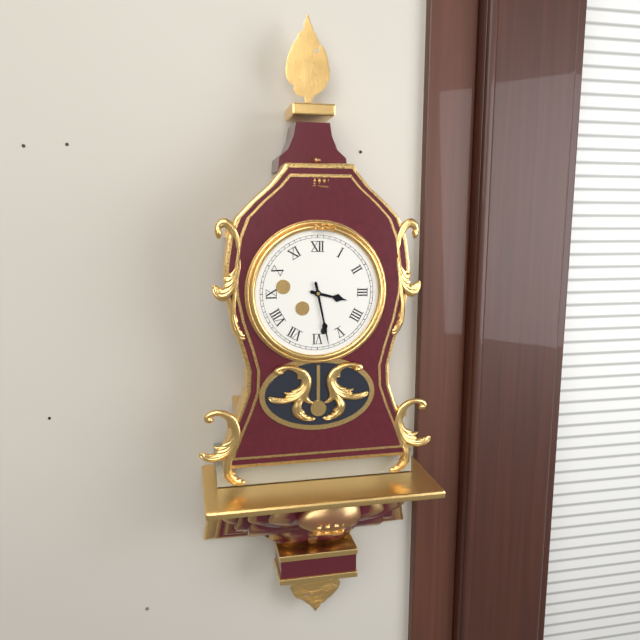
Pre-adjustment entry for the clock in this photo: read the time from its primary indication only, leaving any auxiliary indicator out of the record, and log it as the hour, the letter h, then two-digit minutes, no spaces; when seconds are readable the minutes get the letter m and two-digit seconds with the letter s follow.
3h28
